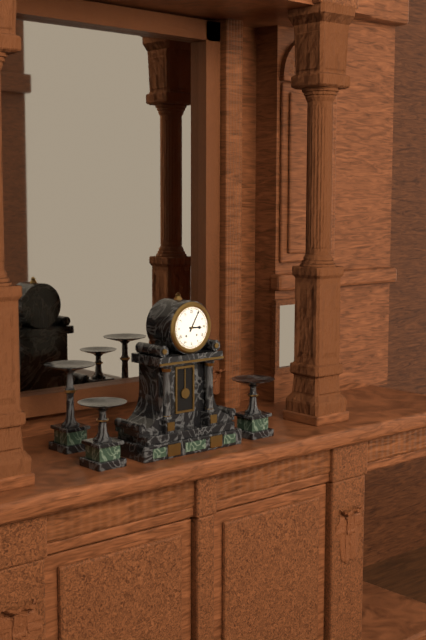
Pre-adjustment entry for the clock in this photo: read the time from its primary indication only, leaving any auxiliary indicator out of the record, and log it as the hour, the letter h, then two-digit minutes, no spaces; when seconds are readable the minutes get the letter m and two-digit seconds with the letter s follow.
3h05
